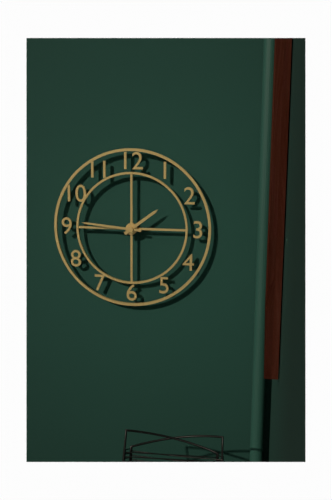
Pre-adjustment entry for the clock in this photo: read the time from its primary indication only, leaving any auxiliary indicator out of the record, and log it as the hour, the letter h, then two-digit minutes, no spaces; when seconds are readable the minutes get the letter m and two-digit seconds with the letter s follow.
1h46
